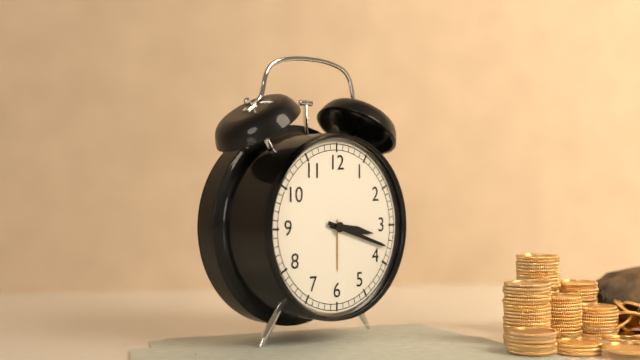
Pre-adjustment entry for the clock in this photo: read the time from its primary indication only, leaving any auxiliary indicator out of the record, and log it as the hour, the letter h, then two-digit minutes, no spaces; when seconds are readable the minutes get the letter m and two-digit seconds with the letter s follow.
3h18
